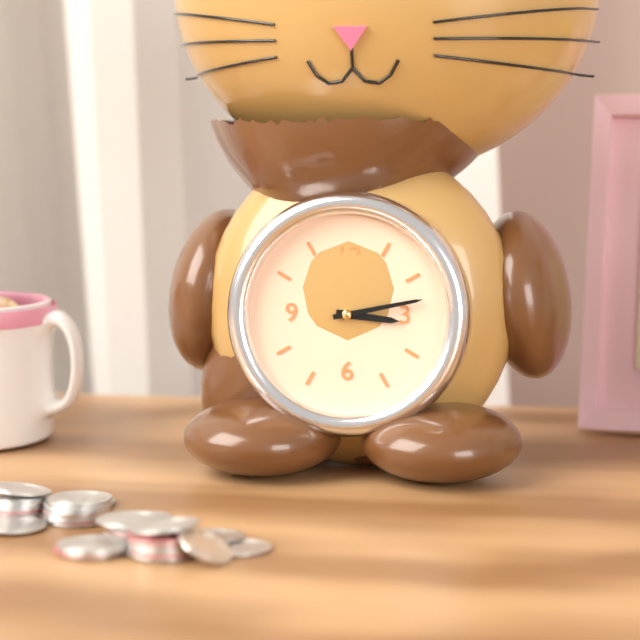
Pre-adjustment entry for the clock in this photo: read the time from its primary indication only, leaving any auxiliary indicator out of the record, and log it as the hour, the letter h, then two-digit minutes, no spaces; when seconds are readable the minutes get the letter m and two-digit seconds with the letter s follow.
3h13
